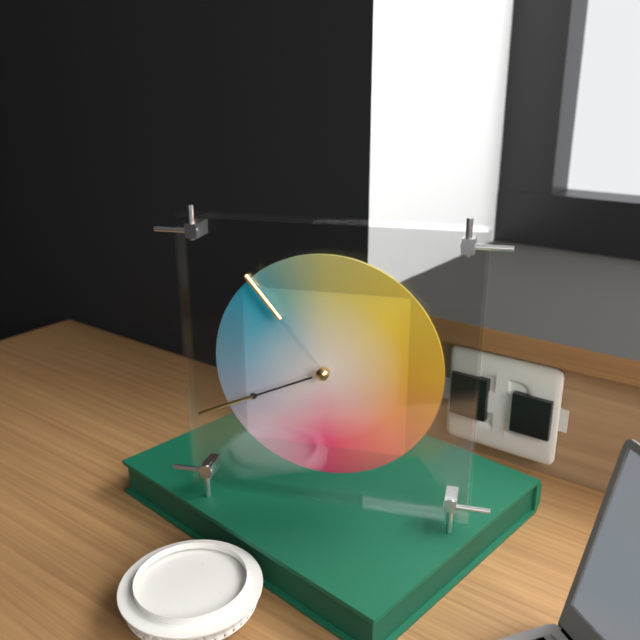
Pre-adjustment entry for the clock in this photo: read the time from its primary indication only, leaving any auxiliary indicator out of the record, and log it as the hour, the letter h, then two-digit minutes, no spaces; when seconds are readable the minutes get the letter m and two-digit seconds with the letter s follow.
10h41
